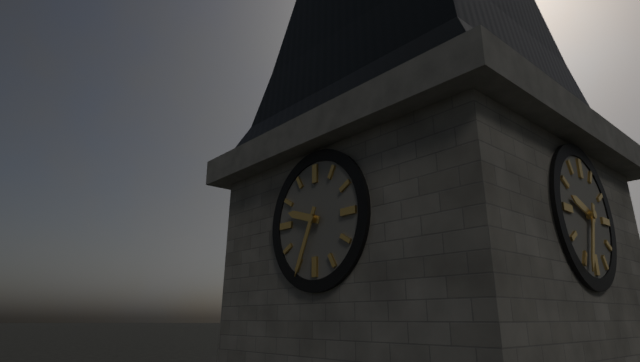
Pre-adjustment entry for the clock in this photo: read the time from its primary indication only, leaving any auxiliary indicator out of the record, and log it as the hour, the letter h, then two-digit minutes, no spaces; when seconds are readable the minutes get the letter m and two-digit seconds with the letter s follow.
9h34
